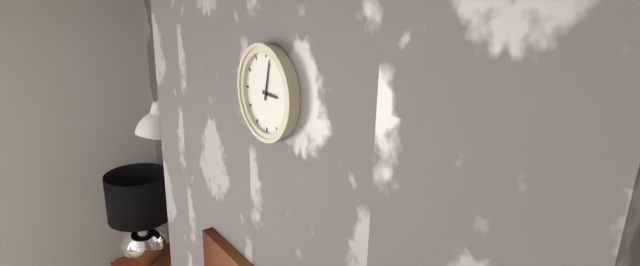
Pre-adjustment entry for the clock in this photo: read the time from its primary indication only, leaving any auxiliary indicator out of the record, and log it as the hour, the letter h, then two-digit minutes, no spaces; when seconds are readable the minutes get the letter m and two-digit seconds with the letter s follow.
3h02
